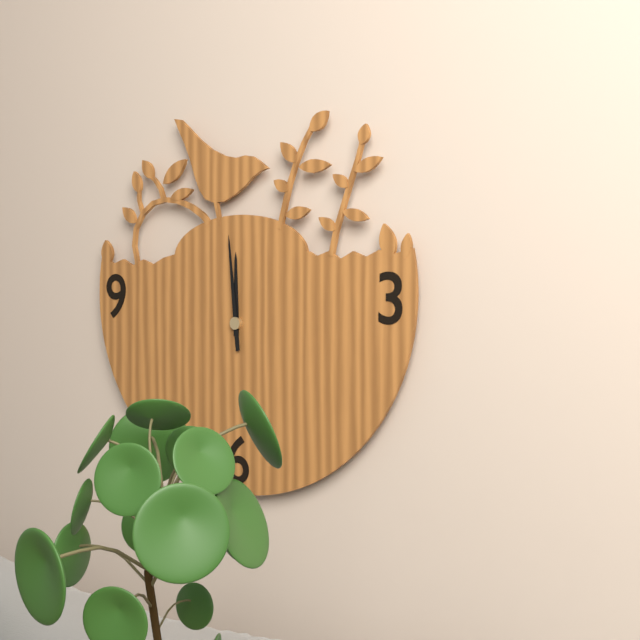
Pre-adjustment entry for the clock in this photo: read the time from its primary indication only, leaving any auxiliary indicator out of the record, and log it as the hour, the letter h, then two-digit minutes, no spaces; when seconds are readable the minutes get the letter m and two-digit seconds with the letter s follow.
11h59
